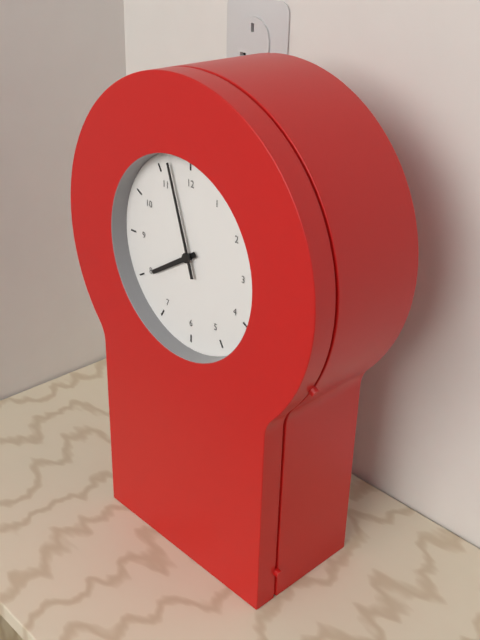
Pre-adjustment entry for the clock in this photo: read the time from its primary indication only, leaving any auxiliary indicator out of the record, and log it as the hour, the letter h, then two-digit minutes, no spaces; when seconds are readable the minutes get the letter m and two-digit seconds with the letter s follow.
7h57
